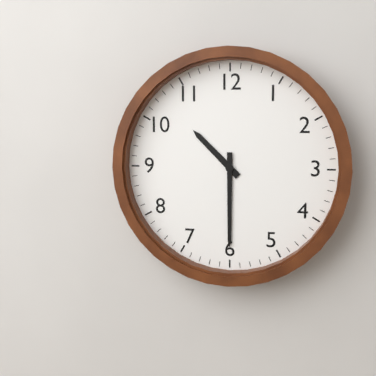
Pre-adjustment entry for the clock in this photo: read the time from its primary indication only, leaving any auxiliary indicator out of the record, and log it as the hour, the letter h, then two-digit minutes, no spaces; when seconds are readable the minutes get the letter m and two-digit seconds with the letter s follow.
10h30
